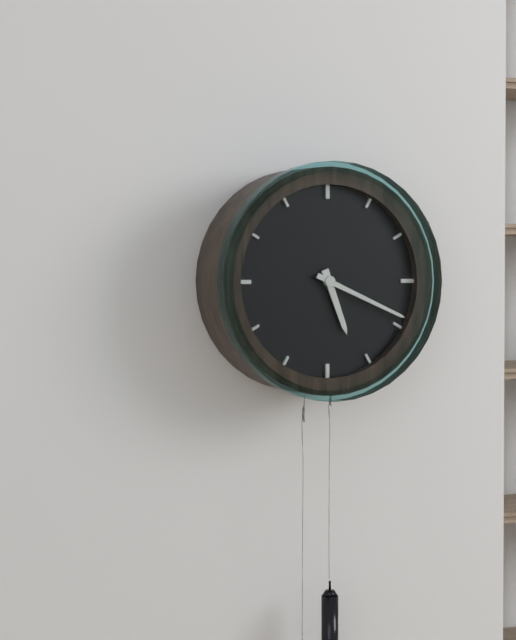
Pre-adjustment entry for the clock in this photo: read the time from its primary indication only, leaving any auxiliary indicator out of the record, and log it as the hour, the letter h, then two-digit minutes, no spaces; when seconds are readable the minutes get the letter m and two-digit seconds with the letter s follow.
5h19
